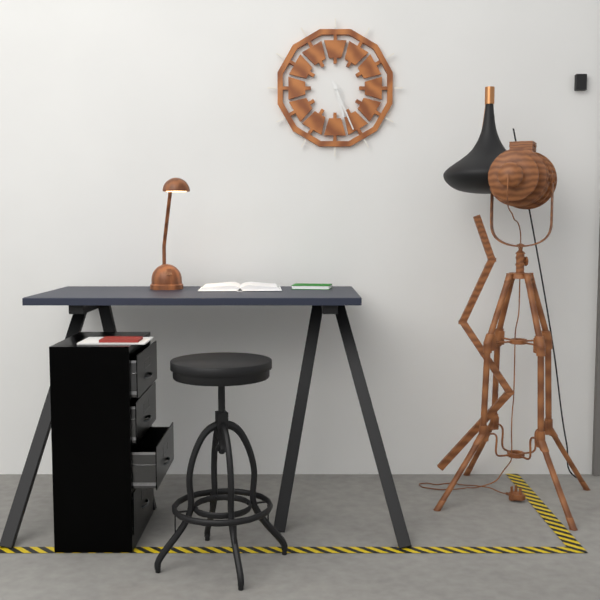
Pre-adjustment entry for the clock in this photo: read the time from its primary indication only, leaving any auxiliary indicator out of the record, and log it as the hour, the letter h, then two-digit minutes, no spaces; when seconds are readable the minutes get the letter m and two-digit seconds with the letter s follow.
5h26
